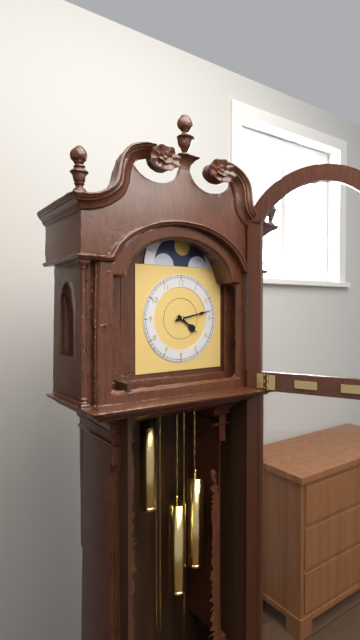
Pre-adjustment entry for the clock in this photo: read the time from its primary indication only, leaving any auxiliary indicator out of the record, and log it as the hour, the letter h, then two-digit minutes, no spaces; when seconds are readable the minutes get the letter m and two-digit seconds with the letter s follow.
4h13
